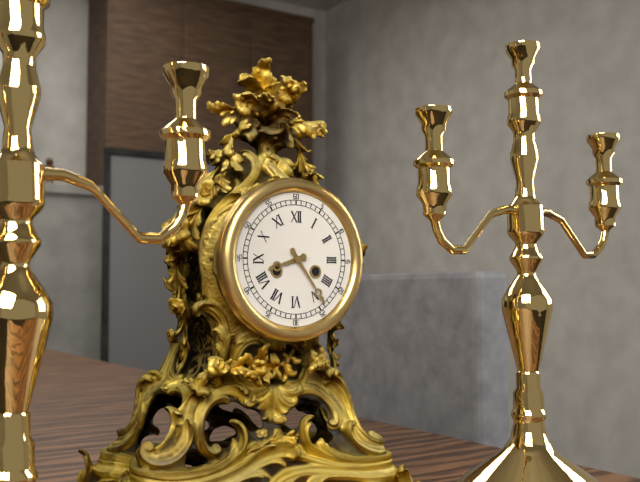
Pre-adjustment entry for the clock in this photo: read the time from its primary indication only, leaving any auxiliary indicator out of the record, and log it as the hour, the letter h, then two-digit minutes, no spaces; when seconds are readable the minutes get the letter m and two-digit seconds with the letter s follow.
8h24
